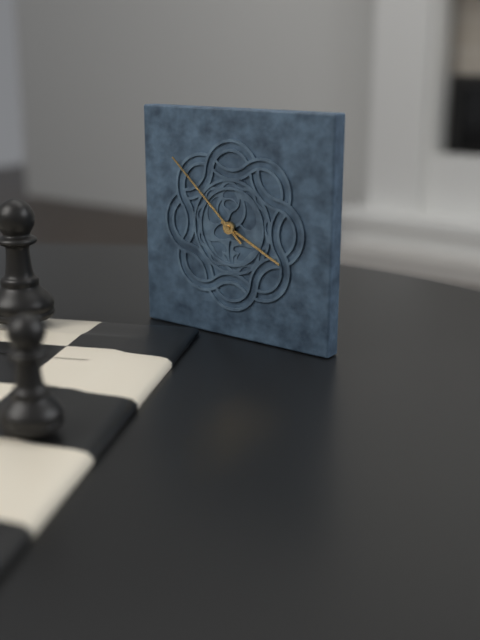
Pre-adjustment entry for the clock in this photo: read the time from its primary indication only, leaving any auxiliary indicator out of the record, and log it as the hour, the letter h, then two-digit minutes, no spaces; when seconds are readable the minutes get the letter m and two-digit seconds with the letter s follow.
3h52
